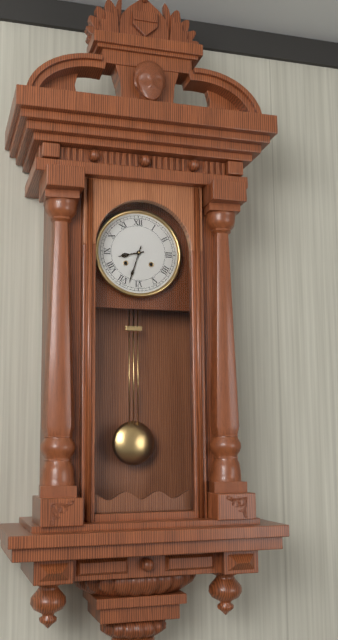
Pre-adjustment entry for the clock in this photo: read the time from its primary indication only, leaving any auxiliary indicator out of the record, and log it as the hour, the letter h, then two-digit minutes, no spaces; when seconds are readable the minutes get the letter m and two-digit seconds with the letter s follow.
8h33
